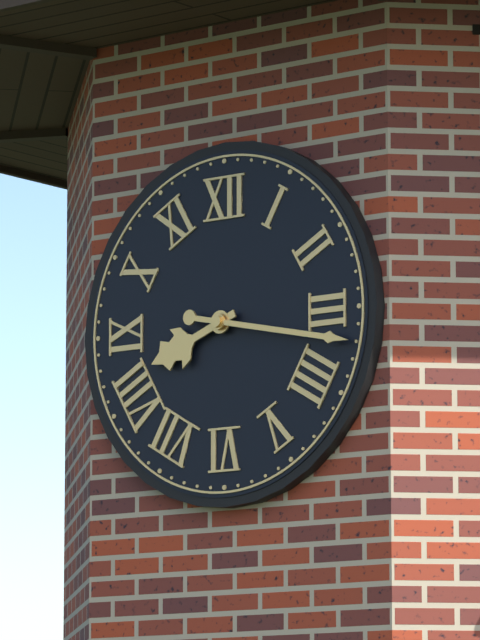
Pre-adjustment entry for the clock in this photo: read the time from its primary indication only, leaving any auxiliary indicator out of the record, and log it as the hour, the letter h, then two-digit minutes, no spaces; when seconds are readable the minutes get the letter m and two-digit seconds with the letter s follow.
8h17
